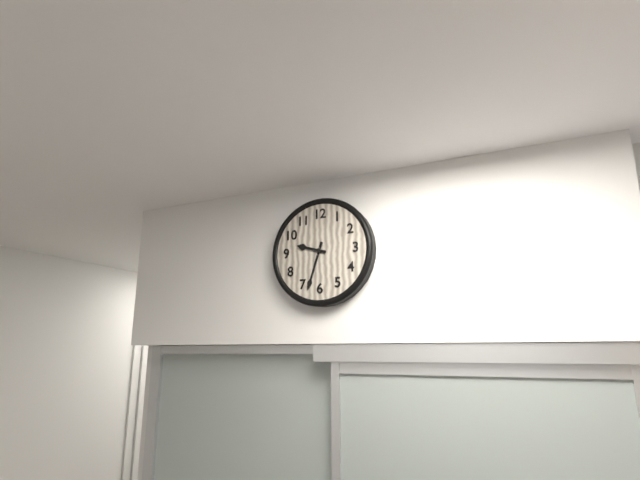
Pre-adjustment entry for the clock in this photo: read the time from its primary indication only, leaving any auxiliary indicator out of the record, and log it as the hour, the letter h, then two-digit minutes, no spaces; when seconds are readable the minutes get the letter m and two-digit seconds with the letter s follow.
9h33
